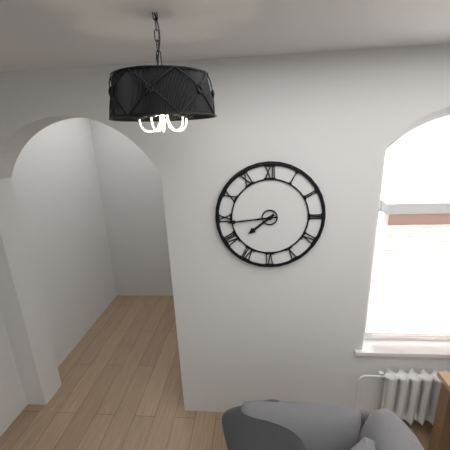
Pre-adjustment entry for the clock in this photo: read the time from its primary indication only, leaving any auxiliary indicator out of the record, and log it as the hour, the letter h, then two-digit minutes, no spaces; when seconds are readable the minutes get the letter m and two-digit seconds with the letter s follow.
7h44
